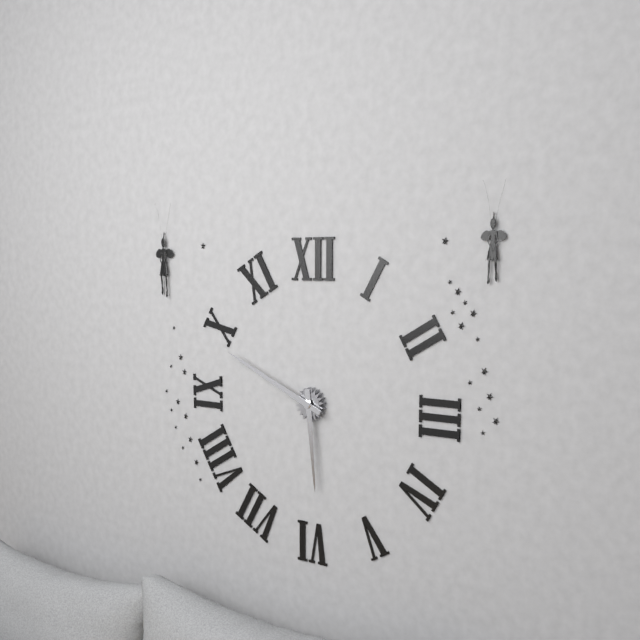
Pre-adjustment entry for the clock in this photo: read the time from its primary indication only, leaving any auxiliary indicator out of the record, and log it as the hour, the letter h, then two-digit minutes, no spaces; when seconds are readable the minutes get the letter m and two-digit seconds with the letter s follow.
5h49
